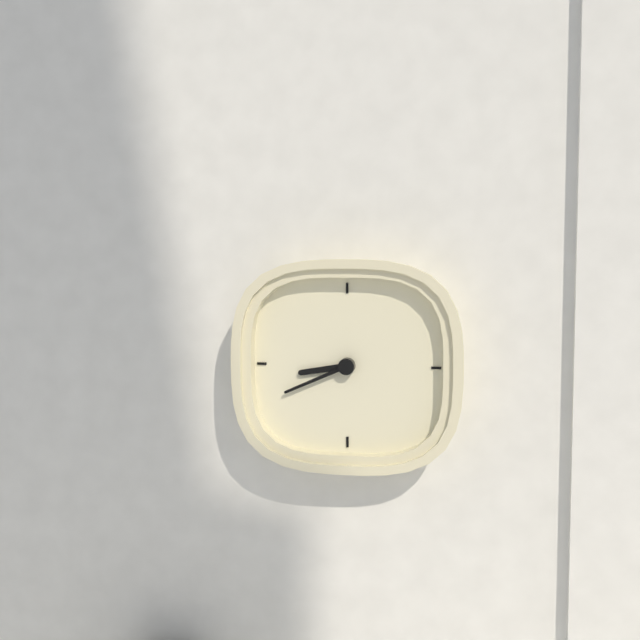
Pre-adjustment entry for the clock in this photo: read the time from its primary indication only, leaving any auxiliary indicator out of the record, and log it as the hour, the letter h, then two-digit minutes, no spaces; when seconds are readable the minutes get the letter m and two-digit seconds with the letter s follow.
8h41
